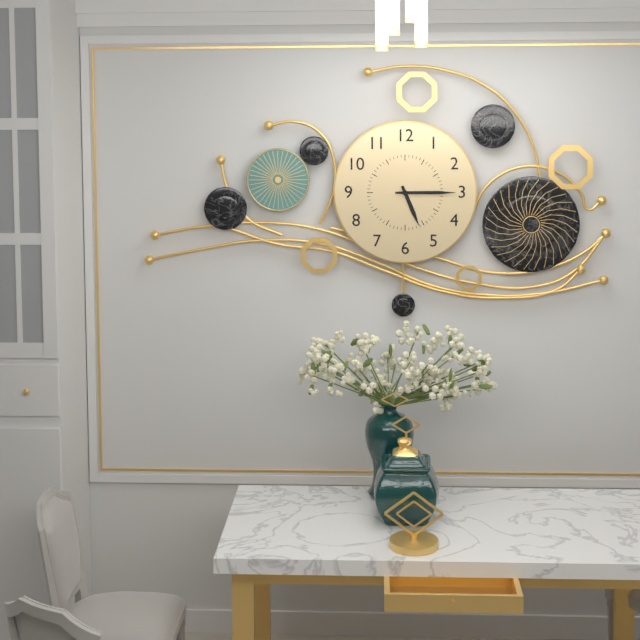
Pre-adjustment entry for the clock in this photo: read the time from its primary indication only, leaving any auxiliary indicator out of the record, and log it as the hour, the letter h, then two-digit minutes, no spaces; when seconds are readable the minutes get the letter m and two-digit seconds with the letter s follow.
5h15
